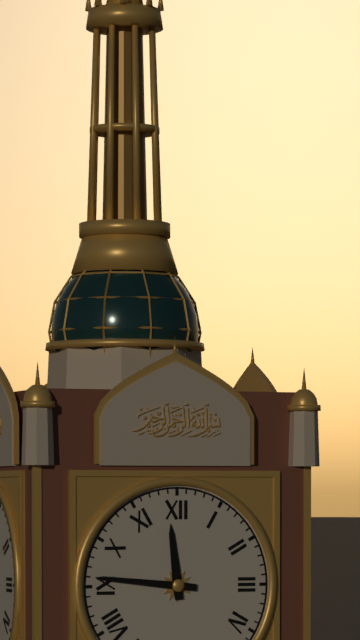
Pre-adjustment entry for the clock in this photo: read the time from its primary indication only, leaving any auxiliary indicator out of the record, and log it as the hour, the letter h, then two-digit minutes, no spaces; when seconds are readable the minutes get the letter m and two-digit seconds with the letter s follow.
11h46
